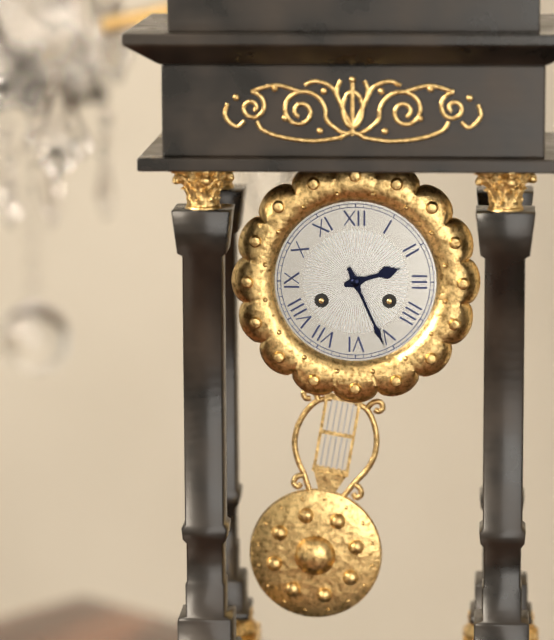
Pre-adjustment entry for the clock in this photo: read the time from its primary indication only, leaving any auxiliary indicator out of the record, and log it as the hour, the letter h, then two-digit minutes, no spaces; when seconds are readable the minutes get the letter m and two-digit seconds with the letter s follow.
2h26
